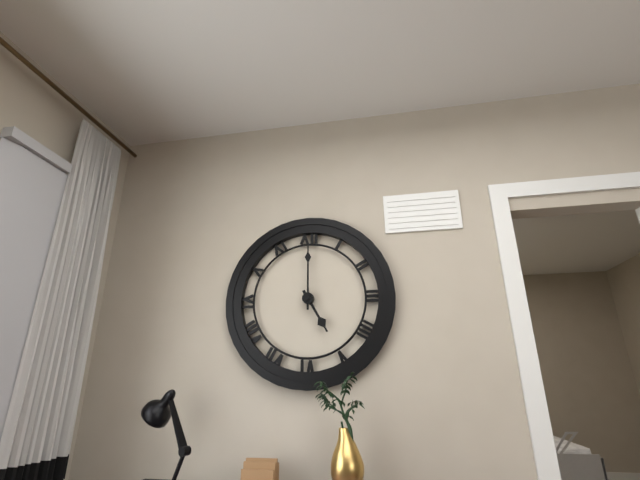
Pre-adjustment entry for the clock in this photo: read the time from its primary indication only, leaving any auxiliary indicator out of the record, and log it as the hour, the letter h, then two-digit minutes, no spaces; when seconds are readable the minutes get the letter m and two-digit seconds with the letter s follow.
5h00
